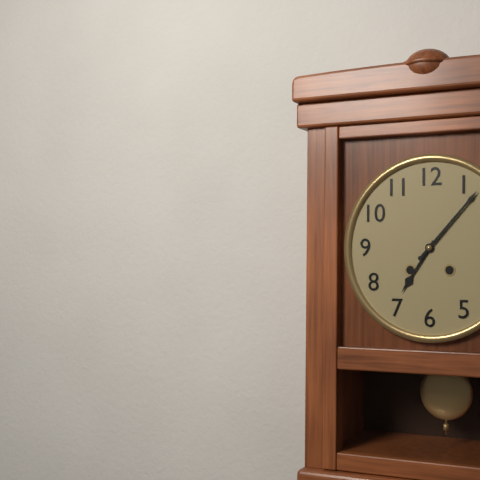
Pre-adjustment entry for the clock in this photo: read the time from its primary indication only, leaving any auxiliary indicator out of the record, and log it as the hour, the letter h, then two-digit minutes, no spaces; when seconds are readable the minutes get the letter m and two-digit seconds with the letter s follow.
7h07
